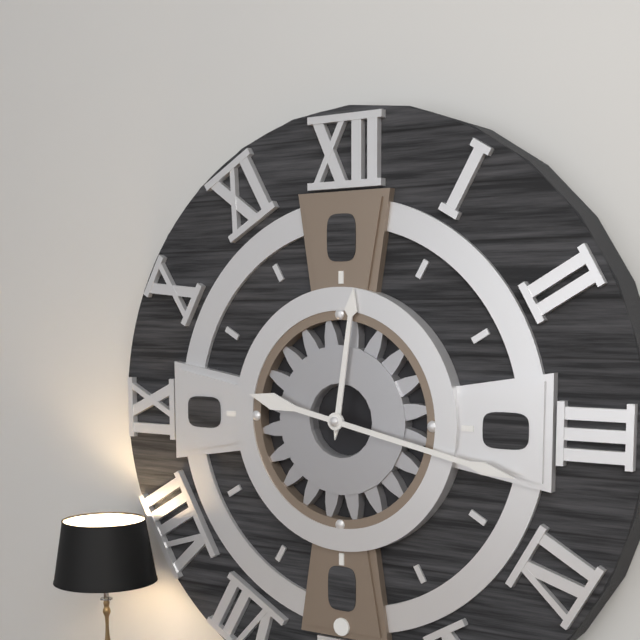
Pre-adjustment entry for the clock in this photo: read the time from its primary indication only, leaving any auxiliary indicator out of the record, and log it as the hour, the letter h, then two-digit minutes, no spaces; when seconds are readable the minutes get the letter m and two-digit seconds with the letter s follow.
12h17
